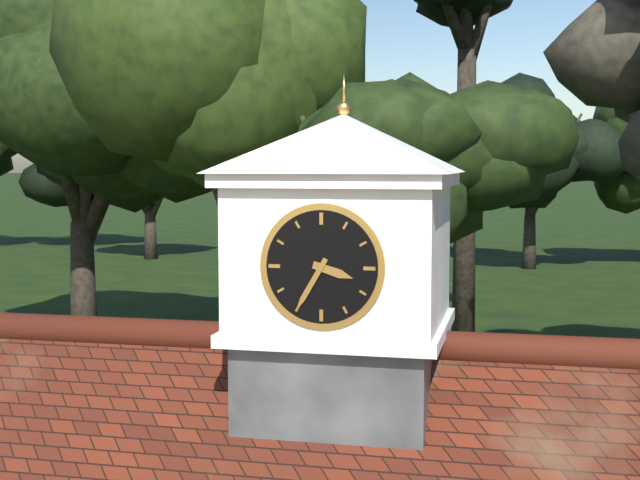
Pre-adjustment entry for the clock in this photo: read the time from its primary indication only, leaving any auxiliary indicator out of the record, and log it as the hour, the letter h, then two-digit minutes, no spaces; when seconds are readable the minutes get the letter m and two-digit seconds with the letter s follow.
3h35
